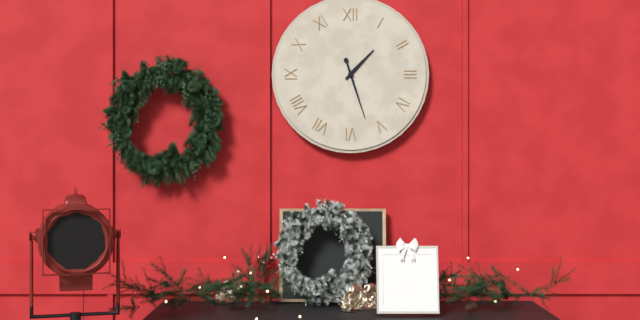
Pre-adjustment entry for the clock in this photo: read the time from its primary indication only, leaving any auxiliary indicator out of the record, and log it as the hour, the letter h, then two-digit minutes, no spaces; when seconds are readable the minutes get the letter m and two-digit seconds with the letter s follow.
1h27
